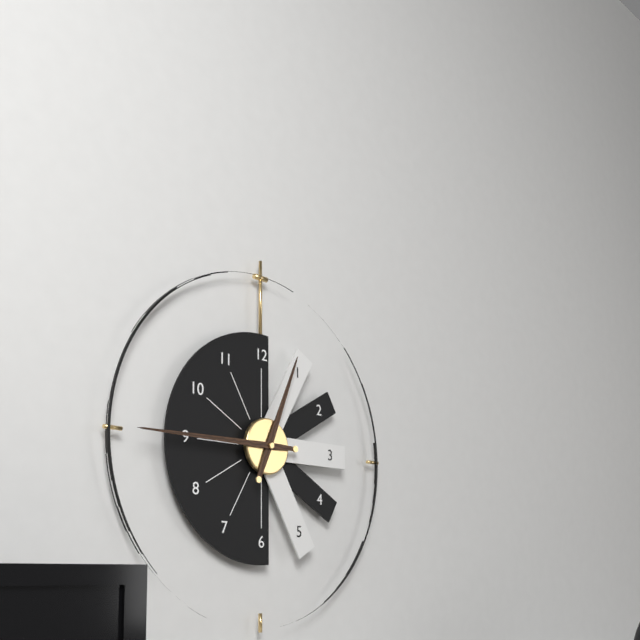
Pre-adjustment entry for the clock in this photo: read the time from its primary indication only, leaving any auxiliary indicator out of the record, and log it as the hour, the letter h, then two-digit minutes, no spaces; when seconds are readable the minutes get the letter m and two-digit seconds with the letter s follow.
12h45
